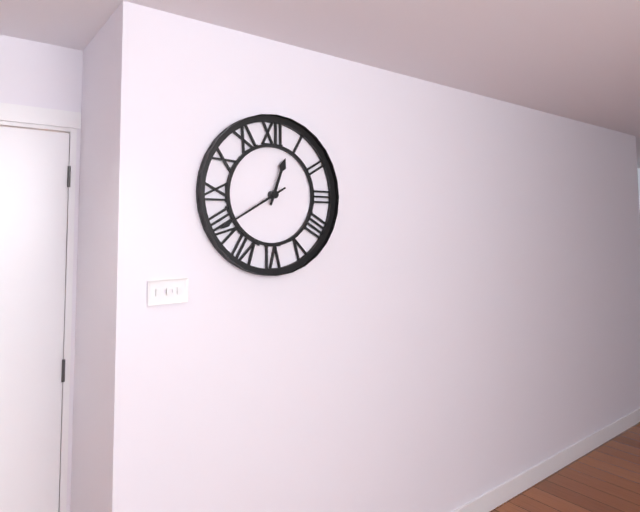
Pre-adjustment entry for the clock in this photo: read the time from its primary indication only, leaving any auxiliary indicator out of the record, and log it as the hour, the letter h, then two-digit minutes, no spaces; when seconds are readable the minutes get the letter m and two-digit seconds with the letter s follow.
12h40
